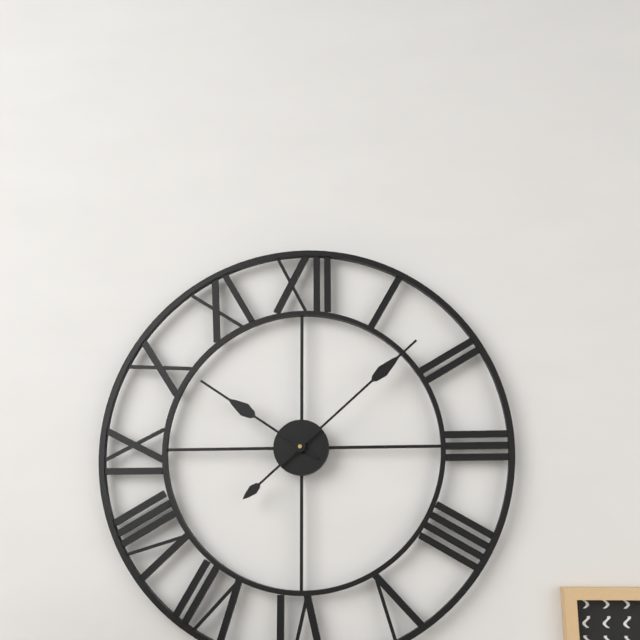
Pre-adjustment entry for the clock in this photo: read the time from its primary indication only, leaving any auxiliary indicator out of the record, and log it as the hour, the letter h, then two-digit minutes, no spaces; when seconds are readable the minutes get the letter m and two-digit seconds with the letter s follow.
10h08
